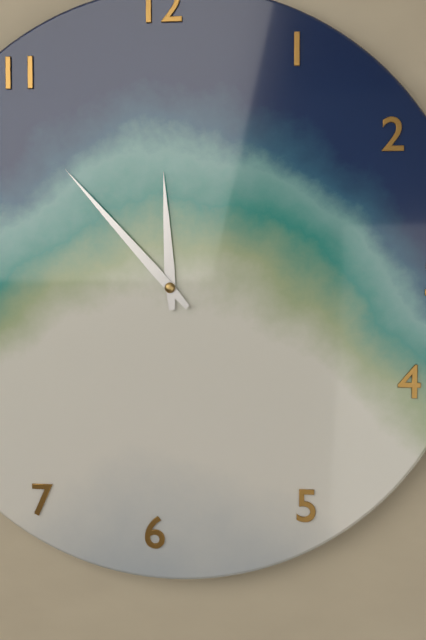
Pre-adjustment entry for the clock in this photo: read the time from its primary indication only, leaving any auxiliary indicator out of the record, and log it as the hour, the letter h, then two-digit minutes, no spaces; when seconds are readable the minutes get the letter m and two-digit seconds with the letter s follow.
11h53
